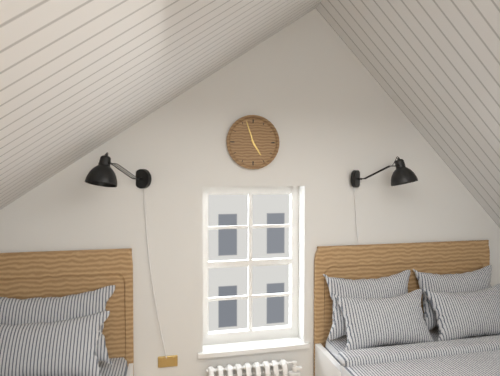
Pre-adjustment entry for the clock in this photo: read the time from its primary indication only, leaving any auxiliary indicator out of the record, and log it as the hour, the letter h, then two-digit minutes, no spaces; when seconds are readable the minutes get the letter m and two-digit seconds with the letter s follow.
4h57
